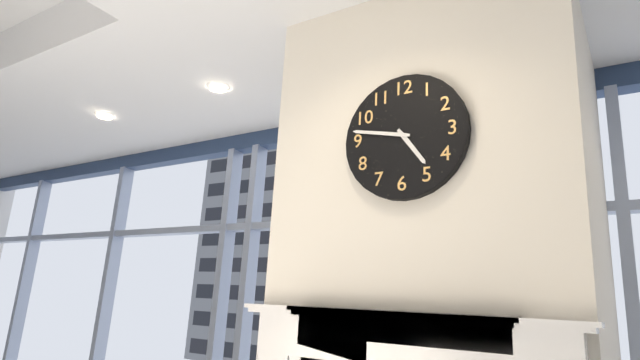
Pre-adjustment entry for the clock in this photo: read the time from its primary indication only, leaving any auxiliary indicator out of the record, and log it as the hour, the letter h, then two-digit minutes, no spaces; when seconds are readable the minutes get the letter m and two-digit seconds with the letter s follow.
4h47
